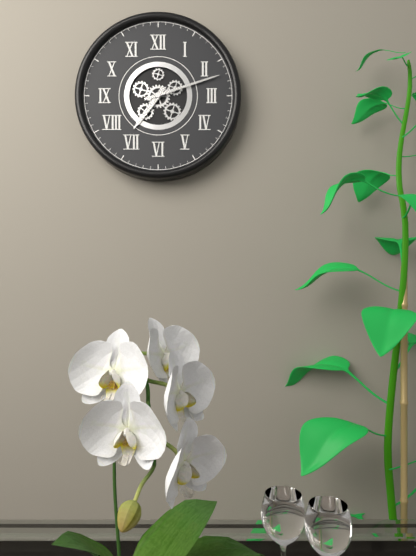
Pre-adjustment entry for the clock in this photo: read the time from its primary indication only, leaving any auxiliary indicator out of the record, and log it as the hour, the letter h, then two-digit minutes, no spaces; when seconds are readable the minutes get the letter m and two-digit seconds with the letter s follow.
7h12
